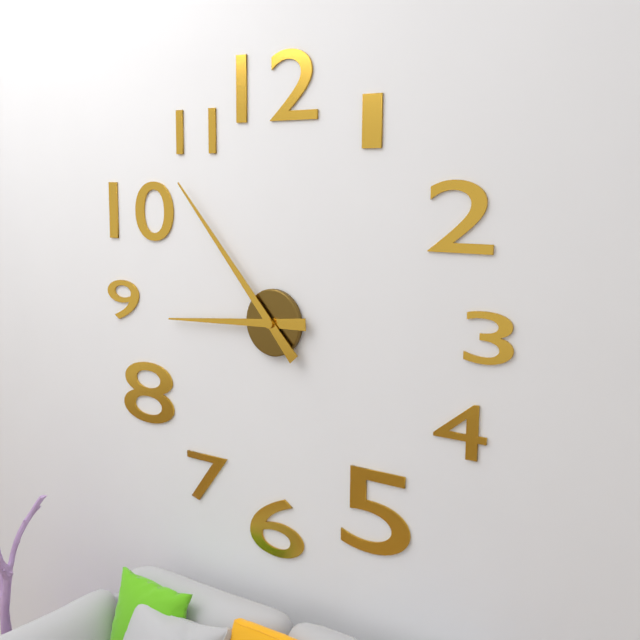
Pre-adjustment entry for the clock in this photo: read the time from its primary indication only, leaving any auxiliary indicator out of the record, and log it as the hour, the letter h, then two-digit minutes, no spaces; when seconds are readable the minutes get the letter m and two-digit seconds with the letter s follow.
8h53
